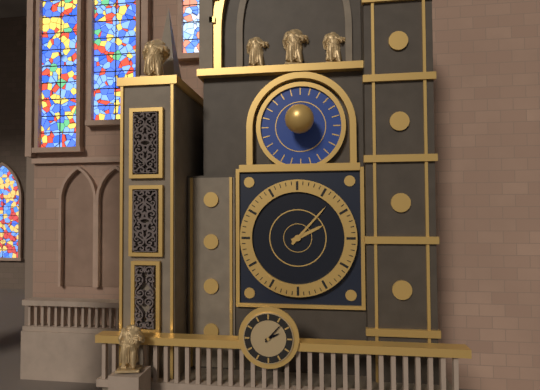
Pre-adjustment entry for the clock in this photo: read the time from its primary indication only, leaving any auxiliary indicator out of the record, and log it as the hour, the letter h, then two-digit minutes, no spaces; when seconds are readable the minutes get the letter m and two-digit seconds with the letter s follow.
2h07
